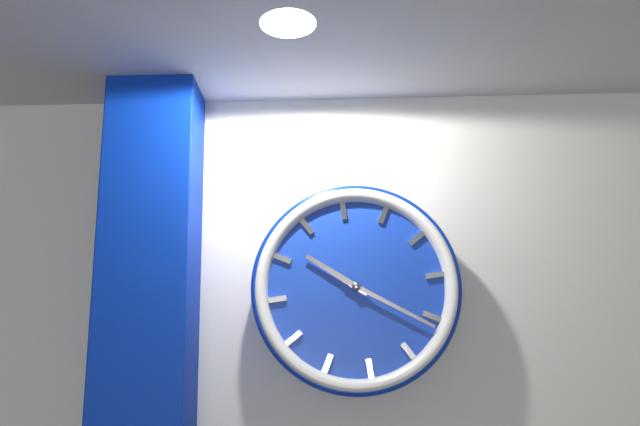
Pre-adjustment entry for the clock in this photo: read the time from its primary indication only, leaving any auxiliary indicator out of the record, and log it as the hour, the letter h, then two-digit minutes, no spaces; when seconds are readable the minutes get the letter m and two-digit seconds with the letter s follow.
10h21
